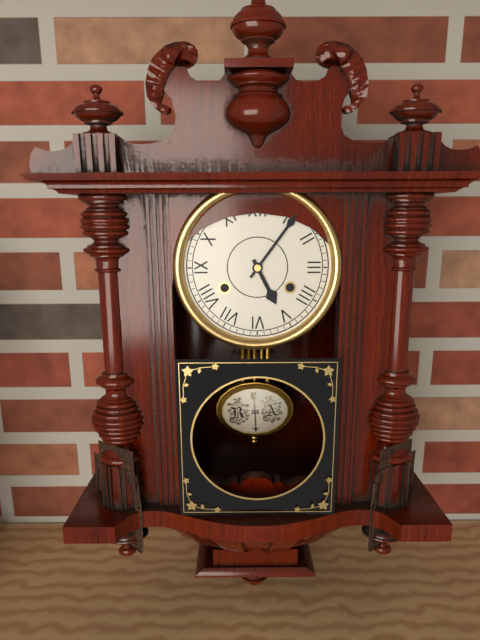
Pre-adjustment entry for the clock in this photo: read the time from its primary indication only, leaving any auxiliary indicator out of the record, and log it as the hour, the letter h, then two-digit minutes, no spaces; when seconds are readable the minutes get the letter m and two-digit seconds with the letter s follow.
5h06
